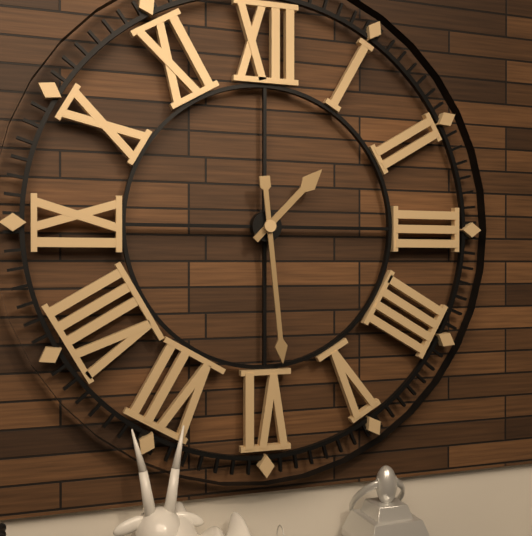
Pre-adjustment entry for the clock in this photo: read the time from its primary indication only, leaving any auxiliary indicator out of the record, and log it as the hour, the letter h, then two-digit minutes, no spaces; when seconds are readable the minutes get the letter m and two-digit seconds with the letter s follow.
1h29
